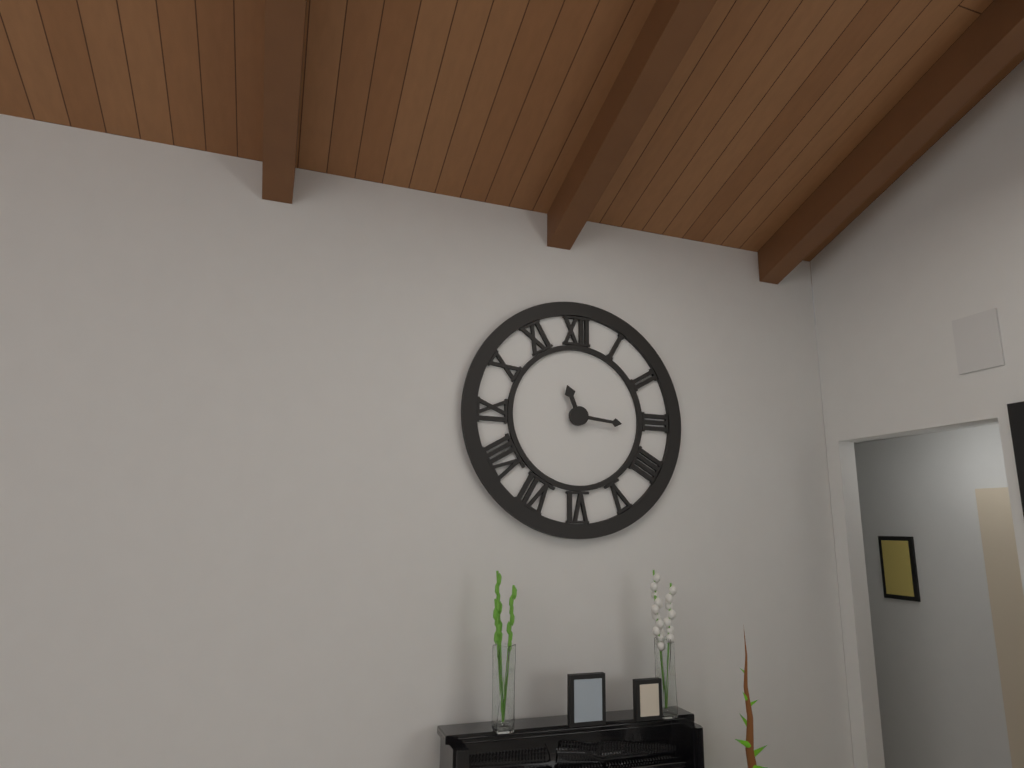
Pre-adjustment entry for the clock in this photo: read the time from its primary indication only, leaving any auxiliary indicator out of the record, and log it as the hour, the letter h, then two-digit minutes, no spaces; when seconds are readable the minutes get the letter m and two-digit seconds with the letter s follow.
11h16
